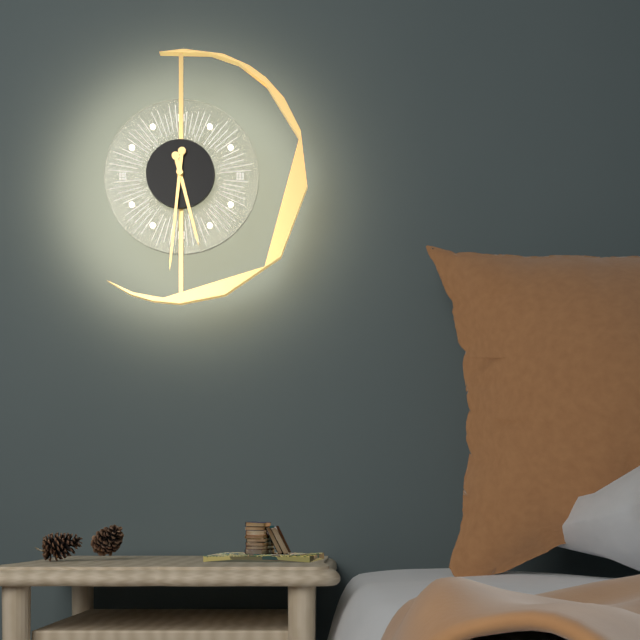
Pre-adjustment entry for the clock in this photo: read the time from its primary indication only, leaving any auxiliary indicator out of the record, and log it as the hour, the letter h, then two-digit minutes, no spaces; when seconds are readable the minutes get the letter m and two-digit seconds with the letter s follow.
5h31
